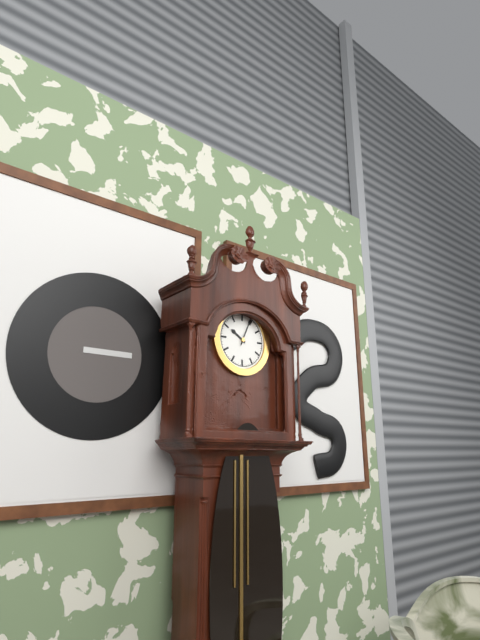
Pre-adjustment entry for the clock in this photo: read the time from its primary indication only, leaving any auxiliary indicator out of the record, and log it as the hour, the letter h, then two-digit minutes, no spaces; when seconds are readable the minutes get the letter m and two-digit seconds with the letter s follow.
10h04
